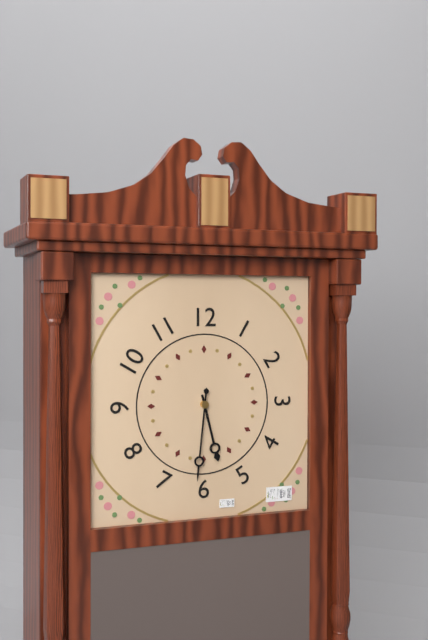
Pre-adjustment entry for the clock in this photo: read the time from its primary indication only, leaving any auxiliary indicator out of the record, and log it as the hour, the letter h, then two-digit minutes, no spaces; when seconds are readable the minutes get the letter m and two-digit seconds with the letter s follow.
5h31
